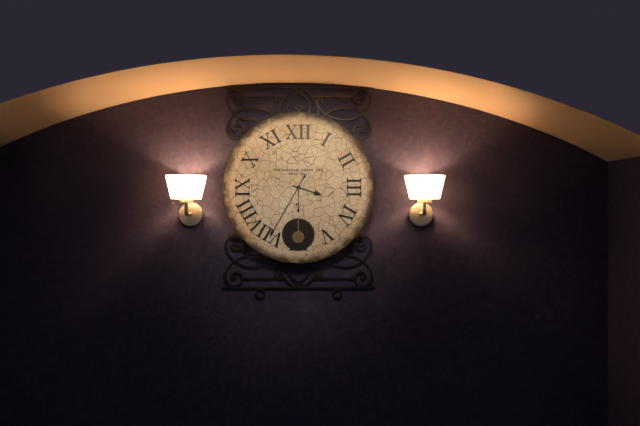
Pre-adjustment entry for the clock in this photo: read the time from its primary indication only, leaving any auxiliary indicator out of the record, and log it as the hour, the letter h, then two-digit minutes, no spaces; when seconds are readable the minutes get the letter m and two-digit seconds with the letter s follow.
3h35
